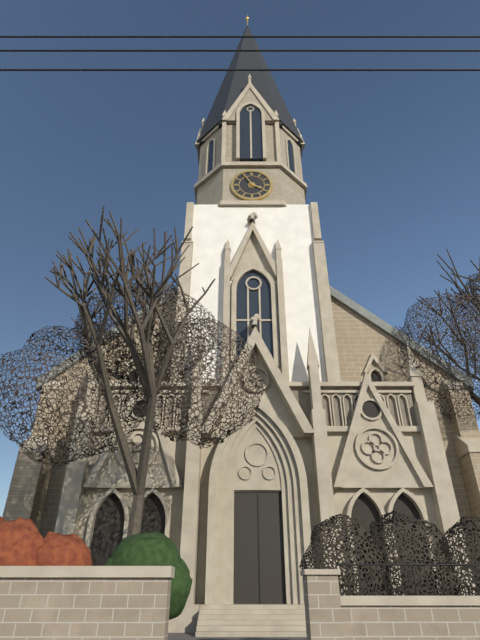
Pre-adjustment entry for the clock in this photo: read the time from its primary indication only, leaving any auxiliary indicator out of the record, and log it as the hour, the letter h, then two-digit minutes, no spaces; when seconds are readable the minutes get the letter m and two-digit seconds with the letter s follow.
3h55
